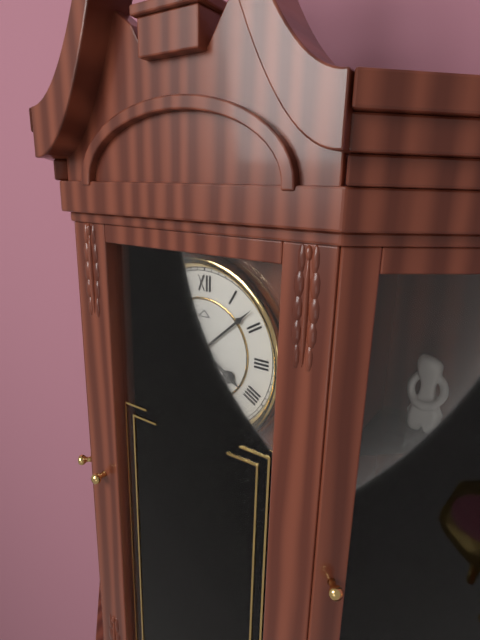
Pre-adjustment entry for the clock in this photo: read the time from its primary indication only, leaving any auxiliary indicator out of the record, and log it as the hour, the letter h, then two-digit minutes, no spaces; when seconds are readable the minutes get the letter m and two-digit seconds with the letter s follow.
4h08
